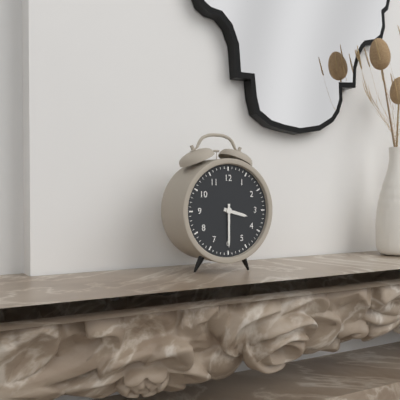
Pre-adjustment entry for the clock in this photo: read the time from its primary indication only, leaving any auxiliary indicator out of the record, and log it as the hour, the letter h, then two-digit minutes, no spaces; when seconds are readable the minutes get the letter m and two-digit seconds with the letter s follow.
3h30
